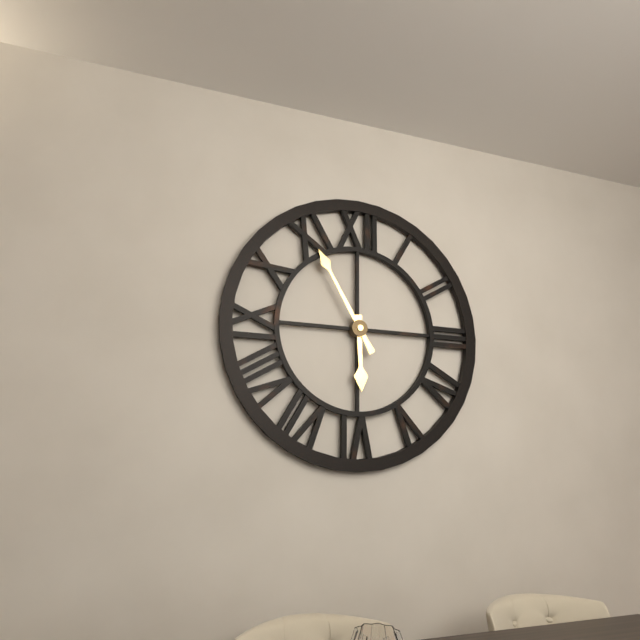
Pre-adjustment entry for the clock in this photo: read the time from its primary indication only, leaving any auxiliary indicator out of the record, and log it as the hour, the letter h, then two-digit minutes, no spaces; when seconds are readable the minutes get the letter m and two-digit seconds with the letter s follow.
5h55
